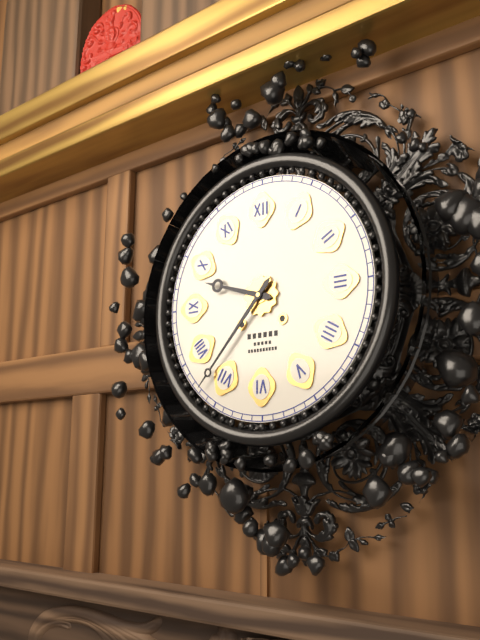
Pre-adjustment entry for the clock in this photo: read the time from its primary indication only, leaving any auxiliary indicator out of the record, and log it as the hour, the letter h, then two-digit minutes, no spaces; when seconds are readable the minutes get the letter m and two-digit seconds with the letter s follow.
9h37
